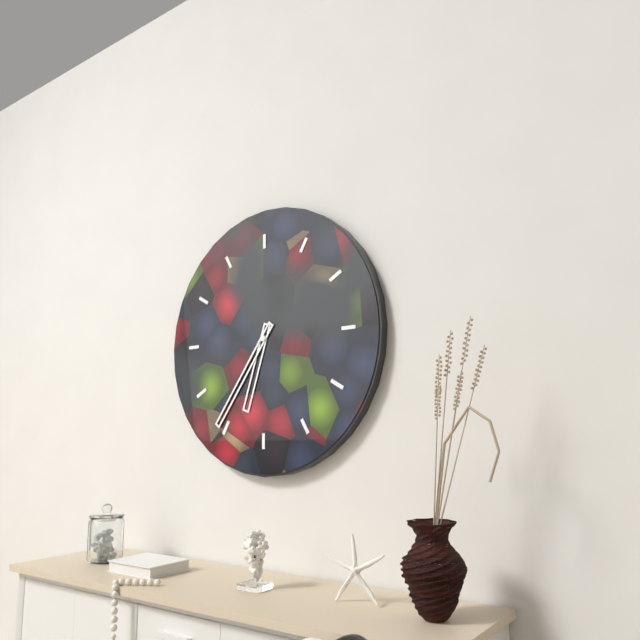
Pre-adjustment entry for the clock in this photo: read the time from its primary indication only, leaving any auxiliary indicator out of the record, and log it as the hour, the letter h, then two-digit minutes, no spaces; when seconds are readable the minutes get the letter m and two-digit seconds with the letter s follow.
6h36
